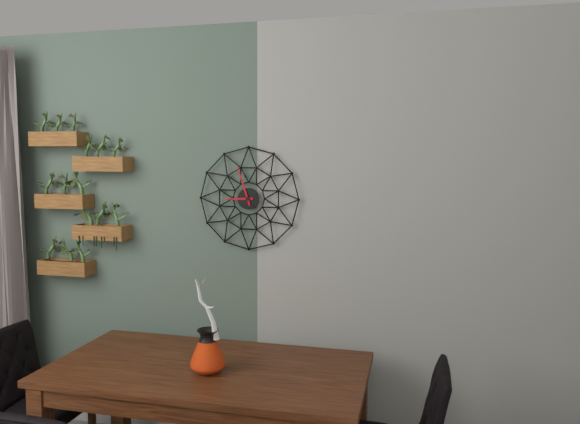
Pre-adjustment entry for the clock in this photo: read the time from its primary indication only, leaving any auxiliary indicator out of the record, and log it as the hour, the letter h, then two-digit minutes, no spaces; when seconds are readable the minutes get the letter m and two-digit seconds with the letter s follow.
8h57
